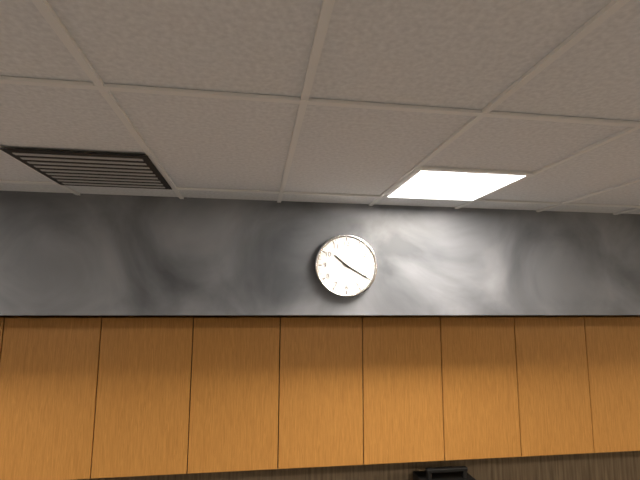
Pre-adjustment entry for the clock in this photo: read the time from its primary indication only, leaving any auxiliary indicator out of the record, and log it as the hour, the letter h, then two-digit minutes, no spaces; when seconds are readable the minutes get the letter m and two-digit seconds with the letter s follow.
10h20
